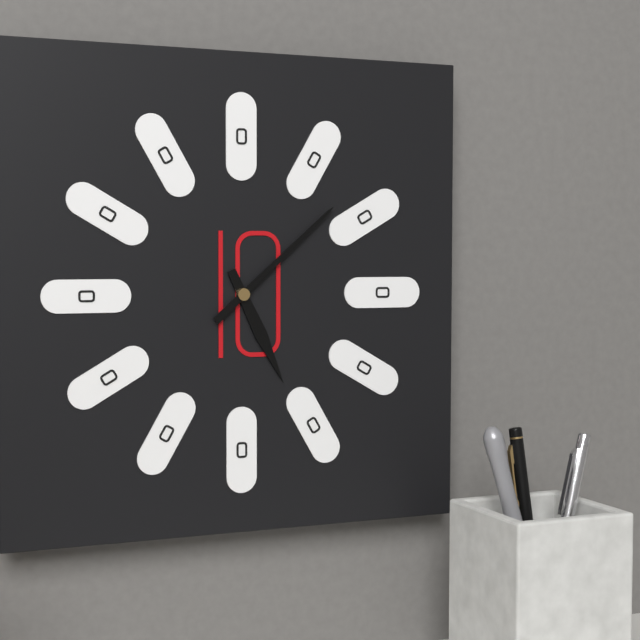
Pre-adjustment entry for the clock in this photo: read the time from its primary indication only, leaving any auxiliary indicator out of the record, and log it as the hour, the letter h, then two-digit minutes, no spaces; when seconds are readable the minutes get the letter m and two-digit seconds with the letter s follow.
5h08
